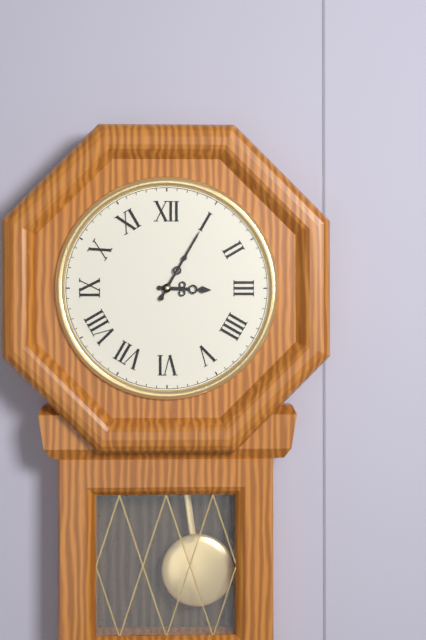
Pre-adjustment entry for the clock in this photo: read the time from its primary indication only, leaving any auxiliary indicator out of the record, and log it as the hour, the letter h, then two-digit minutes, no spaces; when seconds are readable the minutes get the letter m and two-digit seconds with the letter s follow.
3h05
